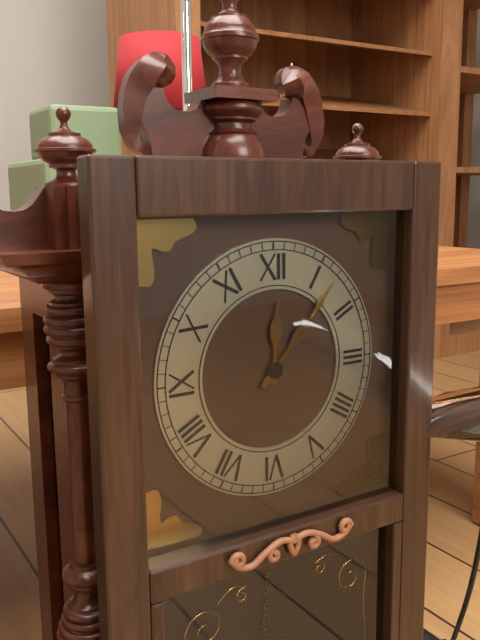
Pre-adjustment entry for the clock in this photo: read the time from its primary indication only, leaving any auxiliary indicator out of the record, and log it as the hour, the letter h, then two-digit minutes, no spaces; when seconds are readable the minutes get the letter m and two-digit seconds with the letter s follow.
12h07
